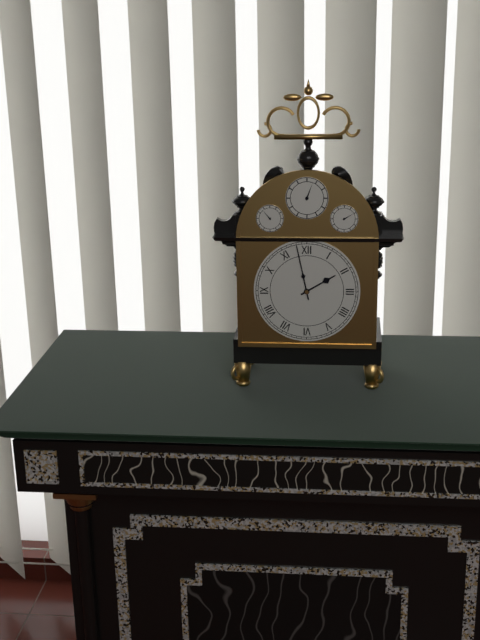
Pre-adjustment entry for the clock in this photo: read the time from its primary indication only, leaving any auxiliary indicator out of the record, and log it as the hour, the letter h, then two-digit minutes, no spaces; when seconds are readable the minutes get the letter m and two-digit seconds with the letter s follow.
1h58
